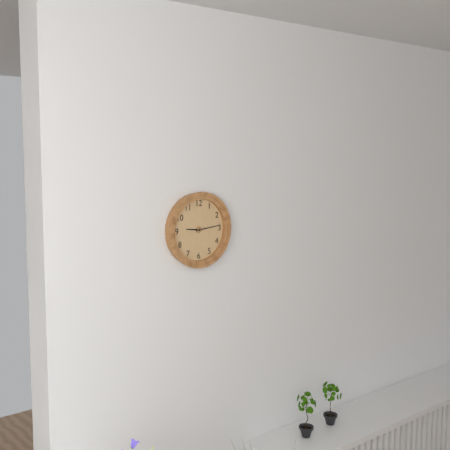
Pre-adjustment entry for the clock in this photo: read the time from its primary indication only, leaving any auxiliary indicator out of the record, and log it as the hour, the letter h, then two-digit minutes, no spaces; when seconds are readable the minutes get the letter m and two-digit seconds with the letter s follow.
9h14
